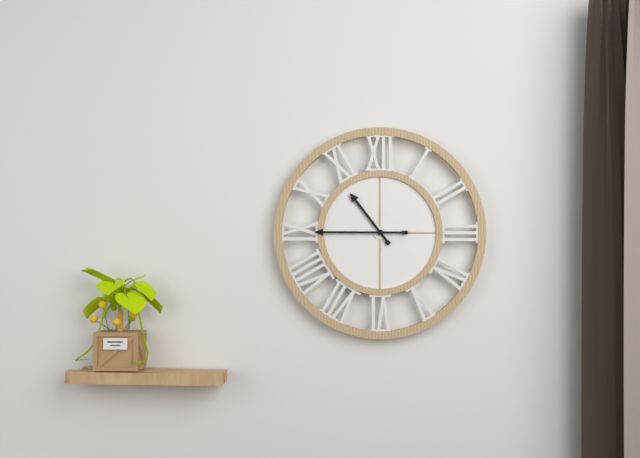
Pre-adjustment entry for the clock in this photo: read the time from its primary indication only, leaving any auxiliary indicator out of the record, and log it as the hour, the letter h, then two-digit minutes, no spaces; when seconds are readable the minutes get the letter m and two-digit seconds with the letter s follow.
10h45
